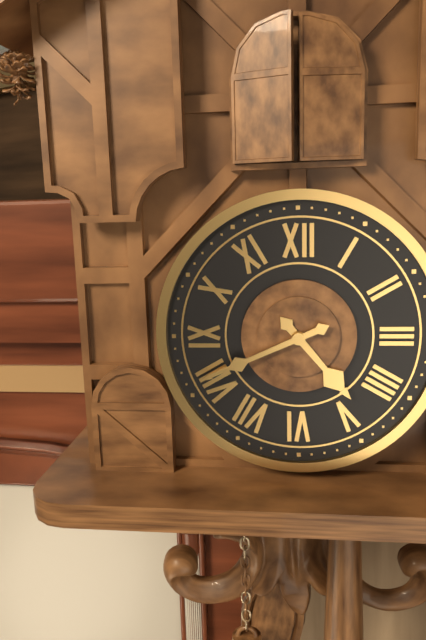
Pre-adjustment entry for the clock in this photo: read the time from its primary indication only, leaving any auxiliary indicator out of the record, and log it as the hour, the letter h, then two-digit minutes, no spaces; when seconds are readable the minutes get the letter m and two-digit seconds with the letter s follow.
4h41
